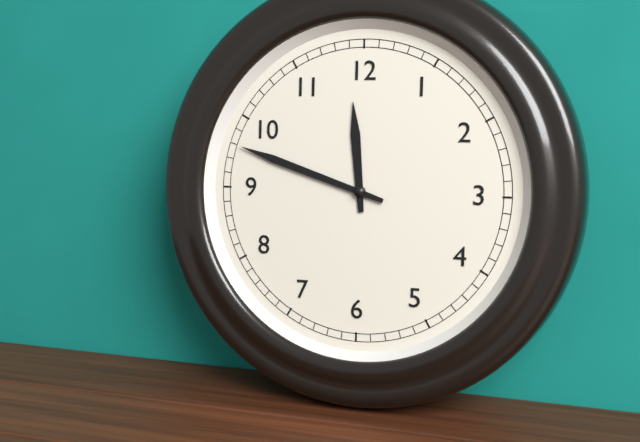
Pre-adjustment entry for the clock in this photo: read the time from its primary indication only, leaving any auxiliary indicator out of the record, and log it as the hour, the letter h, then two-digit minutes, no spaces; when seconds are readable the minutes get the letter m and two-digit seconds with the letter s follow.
11h48
